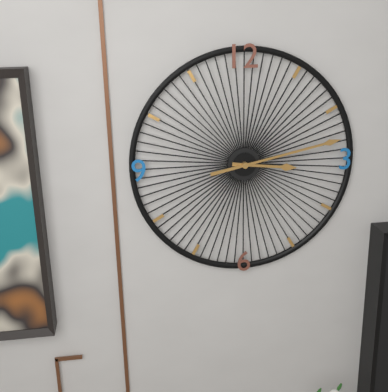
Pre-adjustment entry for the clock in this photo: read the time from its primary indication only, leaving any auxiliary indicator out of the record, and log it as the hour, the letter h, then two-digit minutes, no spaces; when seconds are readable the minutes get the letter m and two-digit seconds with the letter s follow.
3h13
